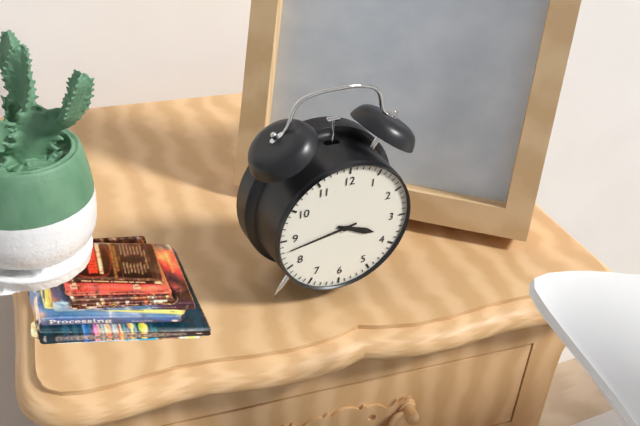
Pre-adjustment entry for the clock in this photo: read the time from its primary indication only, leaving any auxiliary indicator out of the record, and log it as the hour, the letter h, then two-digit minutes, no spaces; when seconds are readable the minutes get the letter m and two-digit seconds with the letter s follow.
3h43
